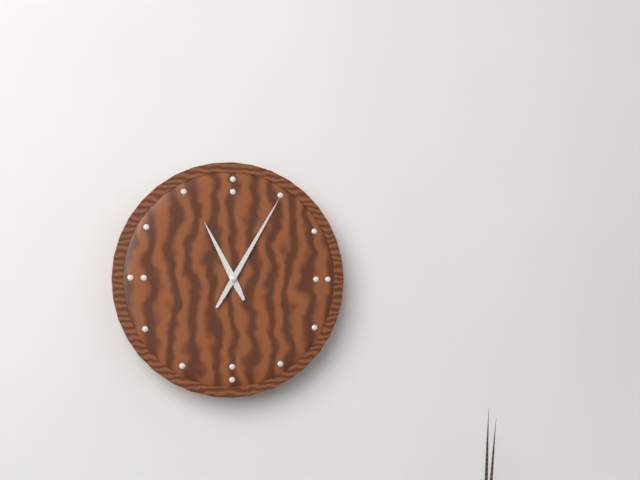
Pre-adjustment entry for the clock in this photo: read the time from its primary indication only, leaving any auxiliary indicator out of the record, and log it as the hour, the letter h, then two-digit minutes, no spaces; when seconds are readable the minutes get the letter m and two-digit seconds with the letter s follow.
11h05
